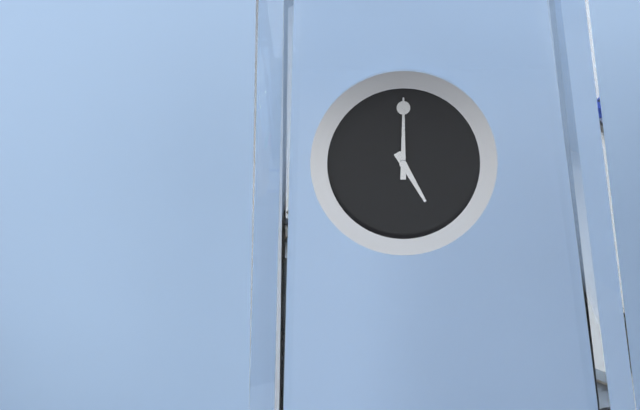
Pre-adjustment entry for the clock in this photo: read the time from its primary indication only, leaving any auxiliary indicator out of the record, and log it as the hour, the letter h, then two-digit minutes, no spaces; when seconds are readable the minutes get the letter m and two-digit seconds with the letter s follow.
5h00
